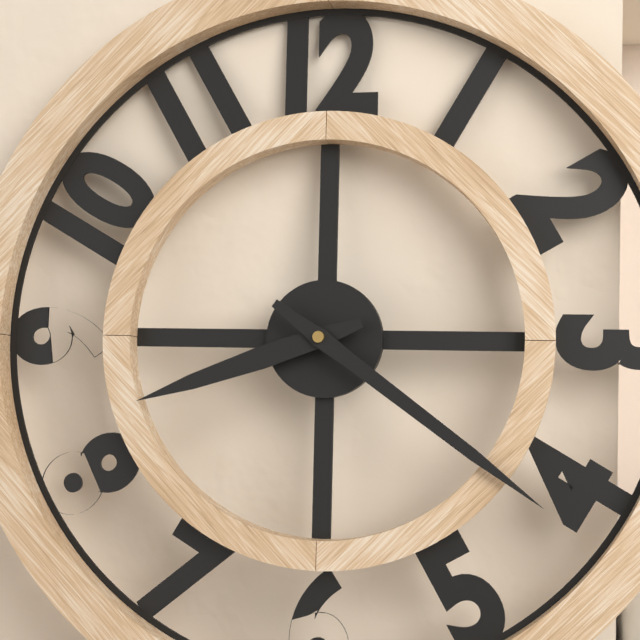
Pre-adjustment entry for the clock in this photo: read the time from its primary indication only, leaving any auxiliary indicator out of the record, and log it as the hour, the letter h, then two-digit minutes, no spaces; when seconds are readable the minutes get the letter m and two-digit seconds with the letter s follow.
8h21
